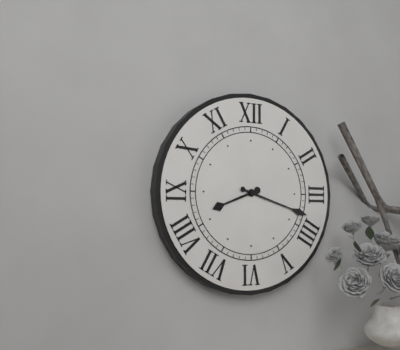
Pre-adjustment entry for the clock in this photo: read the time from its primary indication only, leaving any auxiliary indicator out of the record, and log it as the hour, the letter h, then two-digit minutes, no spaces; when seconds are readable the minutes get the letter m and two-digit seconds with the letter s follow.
8h18
